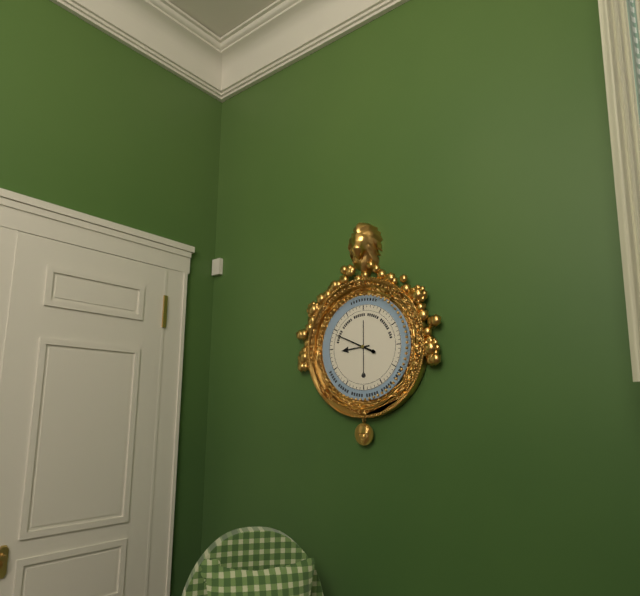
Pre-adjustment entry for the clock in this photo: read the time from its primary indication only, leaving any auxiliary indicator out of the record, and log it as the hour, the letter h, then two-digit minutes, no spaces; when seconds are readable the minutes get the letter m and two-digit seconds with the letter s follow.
8h49
